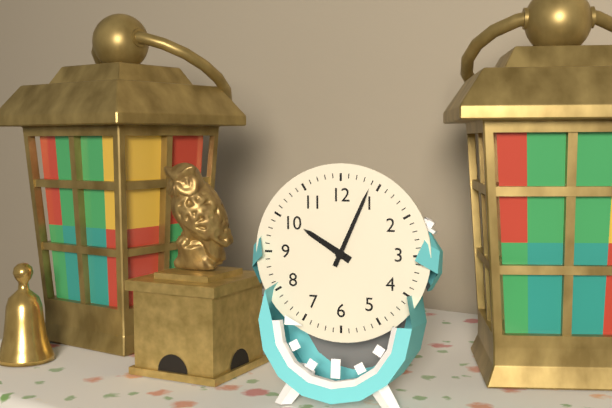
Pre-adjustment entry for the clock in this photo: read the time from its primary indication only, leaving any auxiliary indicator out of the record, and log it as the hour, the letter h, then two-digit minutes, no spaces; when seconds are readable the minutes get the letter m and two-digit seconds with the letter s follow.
10h04
